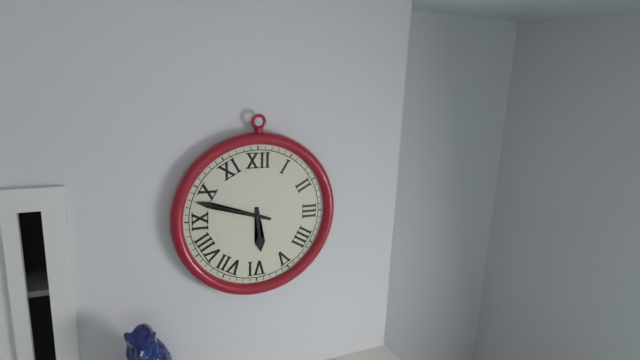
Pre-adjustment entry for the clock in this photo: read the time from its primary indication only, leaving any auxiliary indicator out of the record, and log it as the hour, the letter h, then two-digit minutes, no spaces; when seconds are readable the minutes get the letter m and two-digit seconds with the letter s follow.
5h48
